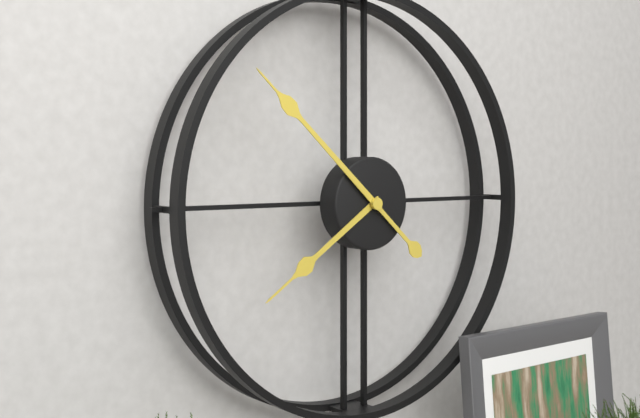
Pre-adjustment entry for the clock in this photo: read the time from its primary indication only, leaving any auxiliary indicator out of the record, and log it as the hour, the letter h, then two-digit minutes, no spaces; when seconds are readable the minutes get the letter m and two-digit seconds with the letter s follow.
7h52
